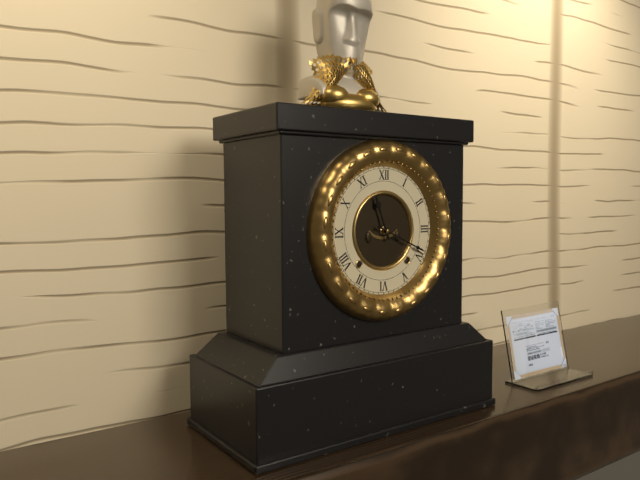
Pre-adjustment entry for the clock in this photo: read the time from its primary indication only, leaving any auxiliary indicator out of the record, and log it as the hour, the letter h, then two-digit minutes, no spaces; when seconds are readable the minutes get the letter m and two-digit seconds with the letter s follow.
11h19
